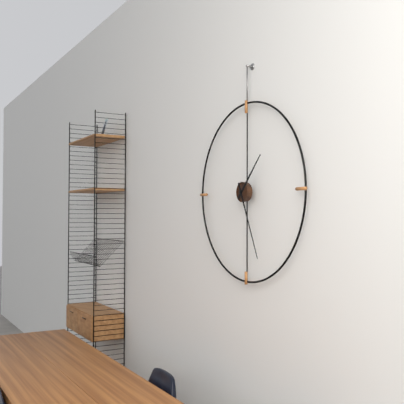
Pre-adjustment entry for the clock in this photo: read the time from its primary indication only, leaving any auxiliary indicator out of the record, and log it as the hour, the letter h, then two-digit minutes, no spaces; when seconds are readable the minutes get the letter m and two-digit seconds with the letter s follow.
1h26
